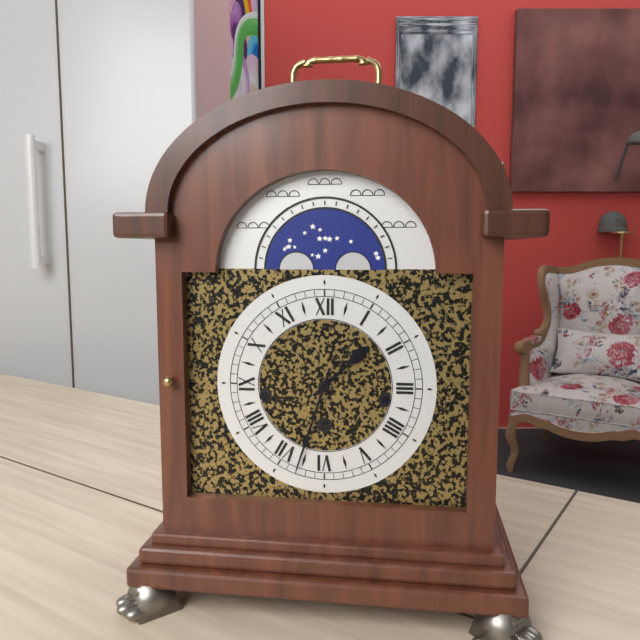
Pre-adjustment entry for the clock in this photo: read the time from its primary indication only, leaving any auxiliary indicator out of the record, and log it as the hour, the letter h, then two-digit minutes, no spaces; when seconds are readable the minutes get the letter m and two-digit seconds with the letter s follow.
1h33
